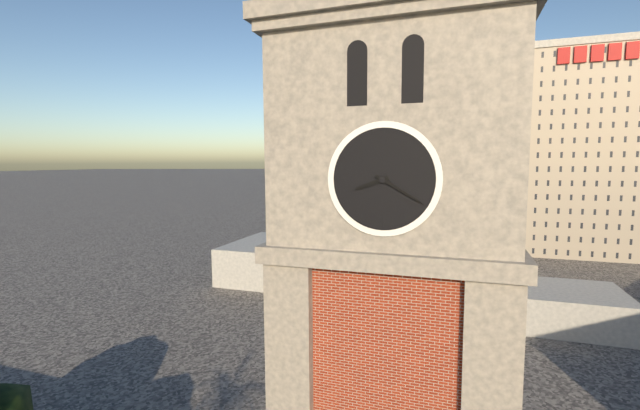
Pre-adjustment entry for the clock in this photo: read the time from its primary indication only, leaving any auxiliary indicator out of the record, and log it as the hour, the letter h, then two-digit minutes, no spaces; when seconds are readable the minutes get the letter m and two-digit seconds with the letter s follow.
8h20
